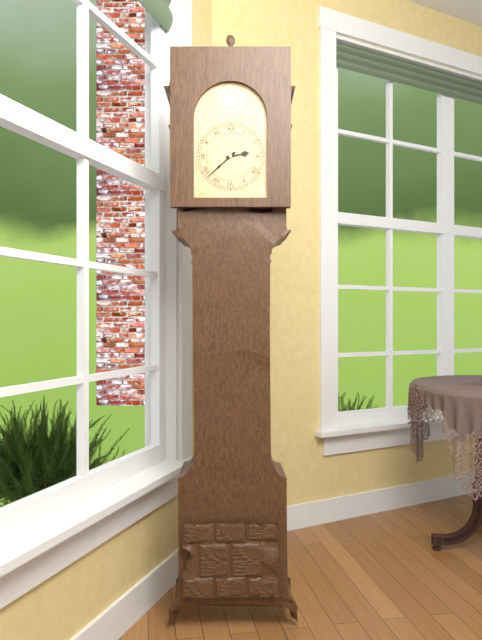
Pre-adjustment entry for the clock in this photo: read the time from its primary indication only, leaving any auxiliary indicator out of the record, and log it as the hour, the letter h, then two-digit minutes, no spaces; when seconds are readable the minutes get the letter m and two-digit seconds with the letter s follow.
2h38
